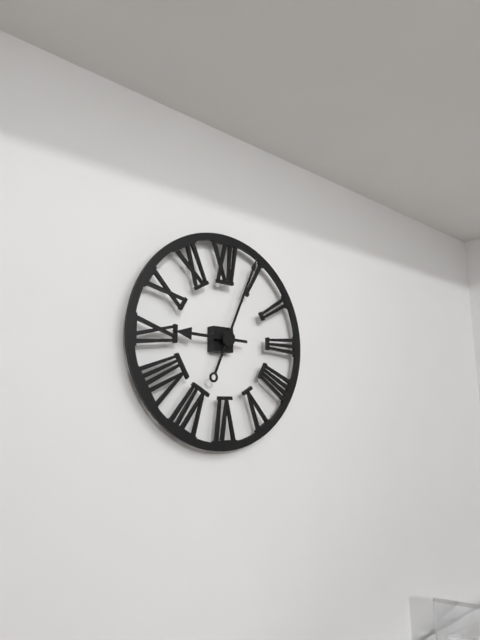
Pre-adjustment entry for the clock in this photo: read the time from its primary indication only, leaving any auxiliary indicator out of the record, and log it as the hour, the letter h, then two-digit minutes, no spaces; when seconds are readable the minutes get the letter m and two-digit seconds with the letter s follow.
9h04
